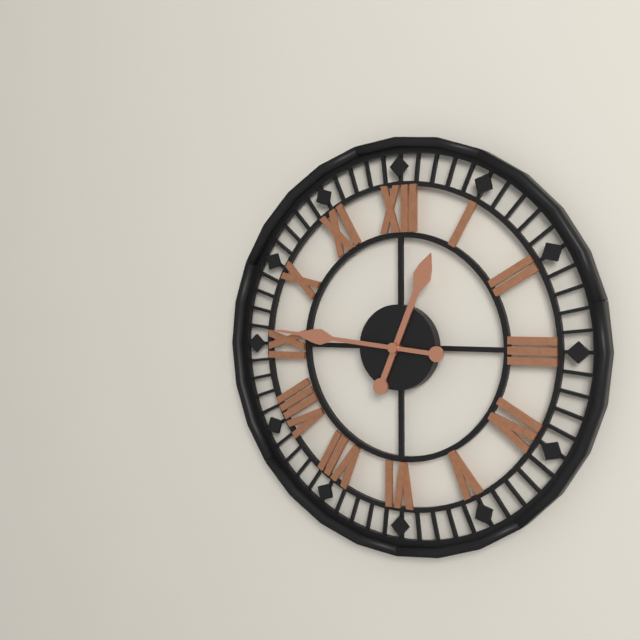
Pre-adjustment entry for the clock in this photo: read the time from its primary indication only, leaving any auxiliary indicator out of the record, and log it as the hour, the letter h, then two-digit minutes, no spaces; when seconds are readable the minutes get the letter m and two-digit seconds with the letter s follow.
12h46
